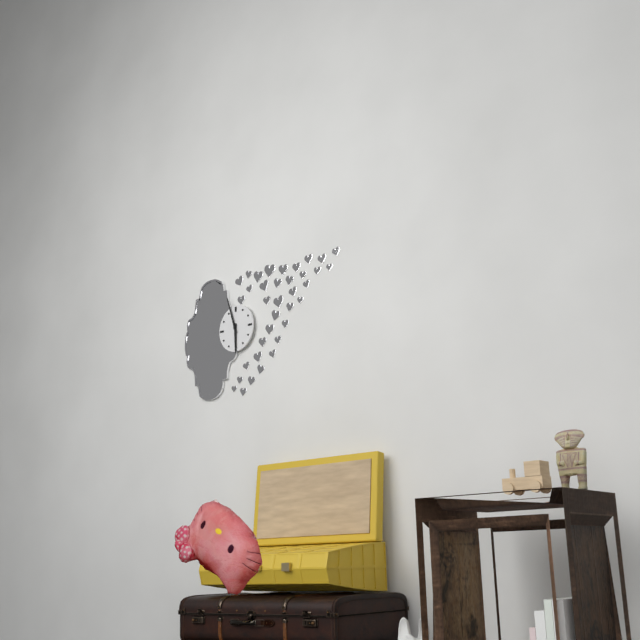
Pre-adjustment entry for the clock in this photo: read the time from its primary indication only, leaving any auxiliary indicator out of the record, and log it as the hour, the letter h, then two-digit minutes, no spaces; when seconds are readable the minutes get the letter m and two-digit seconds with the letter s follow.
5h57
